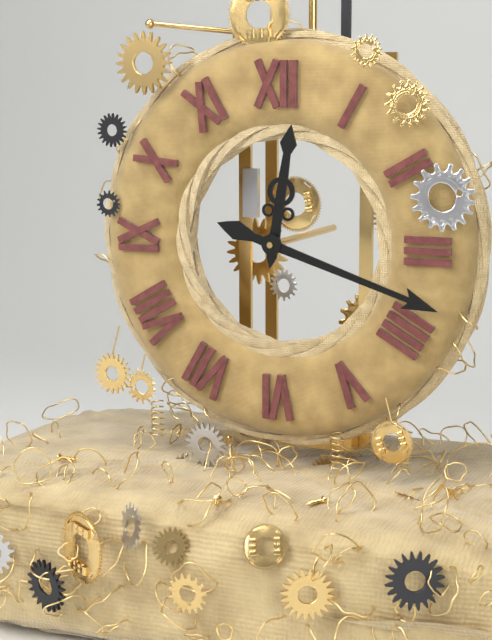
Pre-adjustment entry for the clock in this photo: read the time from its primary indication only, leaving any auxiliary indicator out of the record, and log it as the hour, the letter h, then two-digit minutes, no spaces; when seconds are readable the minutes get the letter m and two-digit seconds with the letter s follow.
12h18
